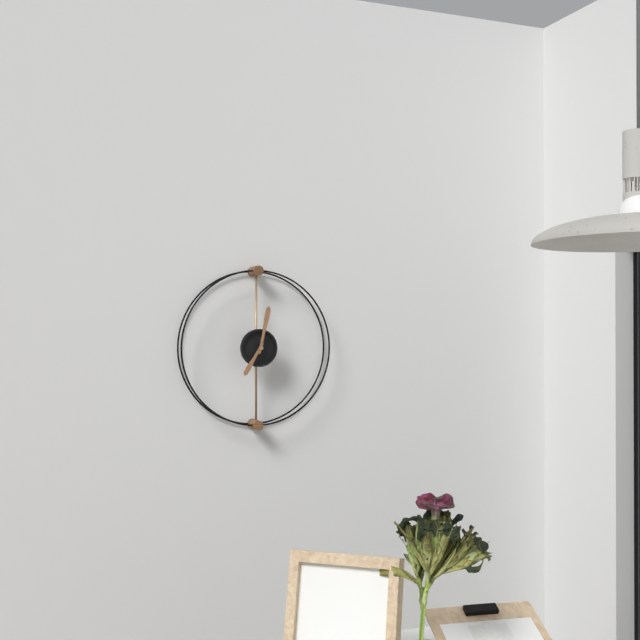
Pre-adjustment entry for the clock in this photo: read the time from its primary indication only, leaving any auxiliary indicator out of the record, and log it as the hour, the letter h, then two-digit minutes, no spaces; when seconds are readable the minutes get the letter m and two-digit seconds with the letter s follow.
7h02
